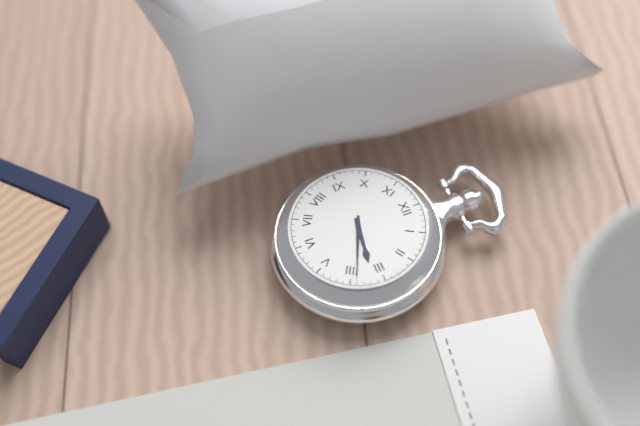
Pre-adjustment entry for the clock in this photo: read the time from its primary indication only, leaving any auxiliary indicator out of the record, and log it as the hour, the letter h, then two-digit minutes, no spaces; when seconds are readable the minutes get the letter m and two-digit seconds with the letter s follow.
3h19
